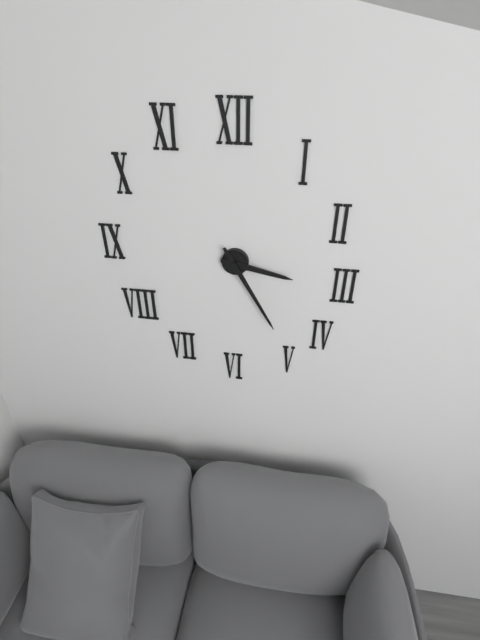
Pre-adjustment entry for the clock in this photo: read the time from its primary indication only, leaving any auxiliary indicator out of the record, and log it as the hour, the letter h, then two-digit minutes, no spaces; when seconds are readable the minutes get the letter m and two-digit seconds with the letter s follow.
3h25
